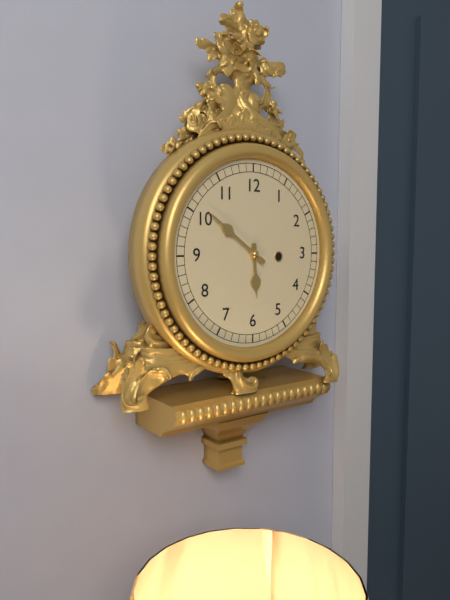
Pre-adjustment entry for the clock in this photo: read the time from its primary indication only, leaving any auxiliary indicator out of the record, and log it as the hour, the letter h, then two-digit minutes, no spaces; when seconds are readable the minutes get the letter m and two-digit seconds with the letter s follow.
5h51
